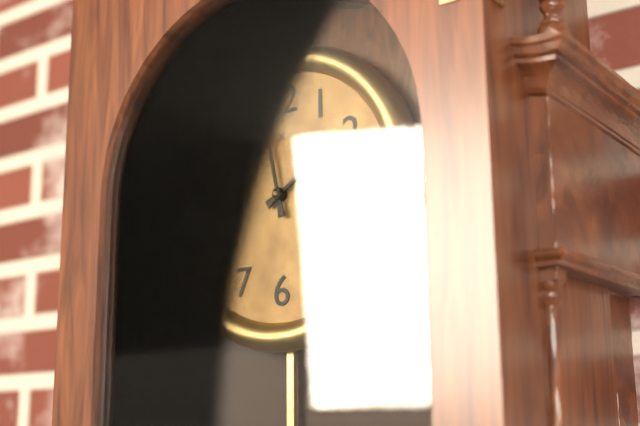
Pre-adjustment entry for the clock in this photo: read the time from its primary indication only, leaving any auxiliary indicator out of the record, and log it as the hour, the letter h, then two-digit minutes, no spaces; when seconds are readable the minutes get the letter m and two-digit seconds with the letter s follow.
1h58
